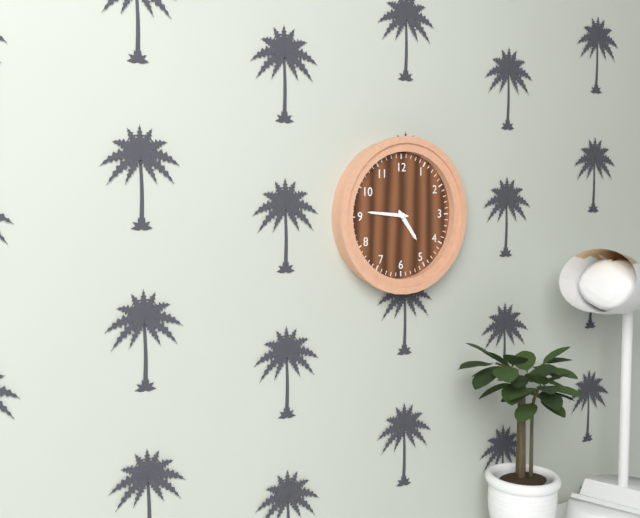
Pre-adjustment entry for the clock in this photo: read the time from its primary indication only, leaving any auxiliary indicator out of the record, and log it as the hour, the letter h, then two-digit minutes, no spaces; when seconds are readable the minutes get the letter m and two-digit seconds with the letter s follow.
4h46
